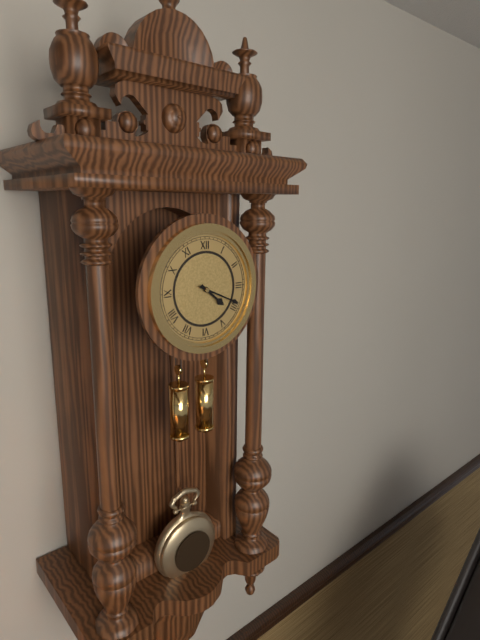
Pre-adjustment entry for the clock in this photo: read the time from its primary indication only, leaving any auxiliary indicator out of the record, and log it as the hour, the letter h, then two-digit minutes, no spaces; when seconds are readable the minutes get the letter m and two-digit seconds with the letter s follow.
4h19
